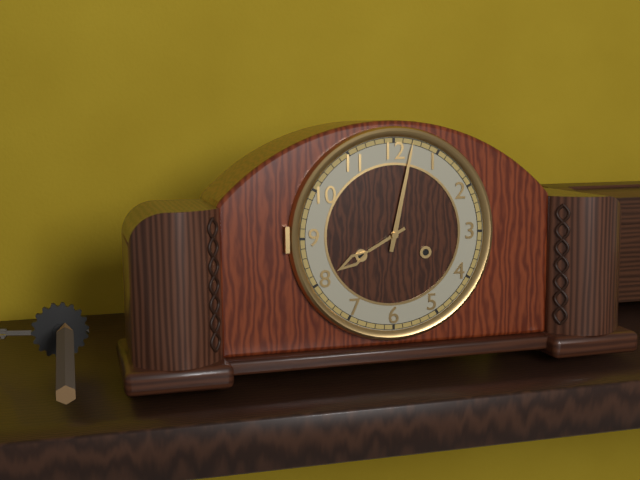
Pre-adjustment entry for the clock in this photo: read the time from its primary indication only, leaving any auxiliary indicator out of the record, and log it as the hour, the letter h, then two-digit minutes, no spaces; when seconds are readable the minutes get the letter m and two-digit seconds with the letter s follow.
8h02
